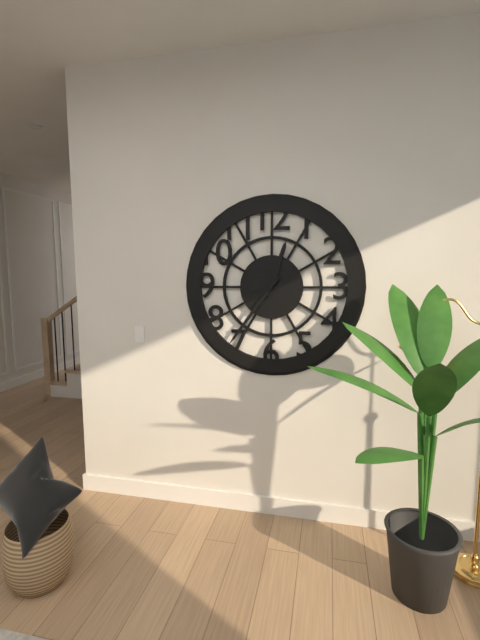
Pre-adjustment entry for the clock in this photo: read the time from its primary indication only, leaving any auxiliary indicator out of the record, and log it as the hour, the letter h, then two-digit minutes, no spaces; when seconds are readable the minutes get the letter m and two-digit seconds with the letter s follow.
12h36
